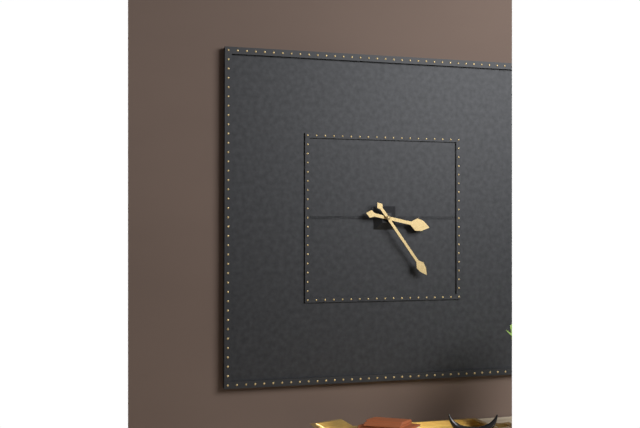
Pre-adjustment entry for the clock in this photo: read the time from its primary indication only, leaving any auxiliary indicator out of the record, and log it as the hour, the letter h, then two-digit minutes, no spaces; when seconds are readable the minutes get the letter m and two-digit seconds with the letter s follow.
3h24
